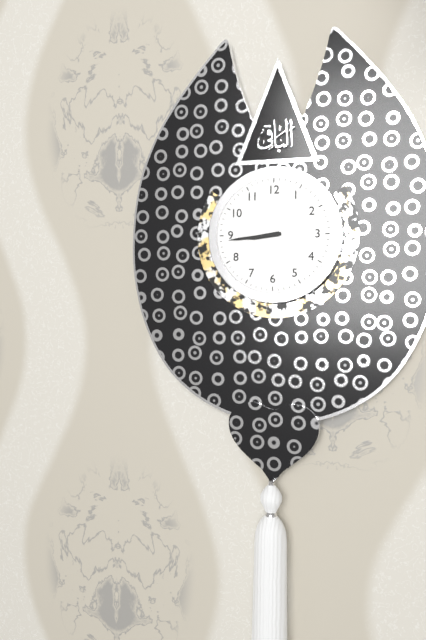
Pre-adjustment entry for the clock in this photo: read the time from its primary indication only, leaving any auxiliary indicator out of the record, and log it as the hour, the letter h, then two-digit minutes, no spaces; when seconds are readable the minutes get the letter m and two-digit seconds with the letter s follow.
8h44
